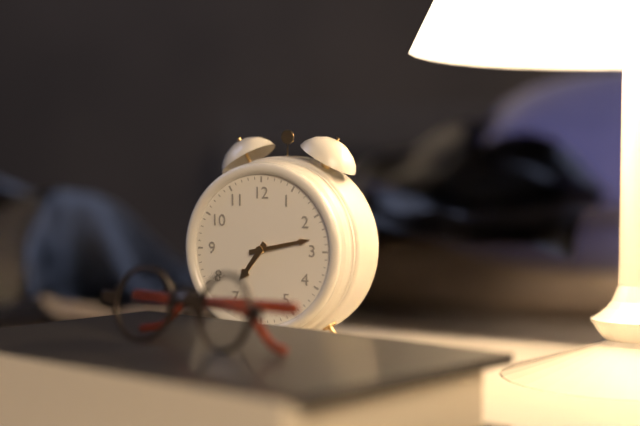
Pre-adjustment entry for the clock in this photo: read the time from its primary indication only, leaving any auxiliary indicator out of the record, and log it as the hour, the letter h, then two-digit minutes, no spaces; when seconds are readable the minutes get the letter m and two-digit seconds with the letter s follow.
7h13
